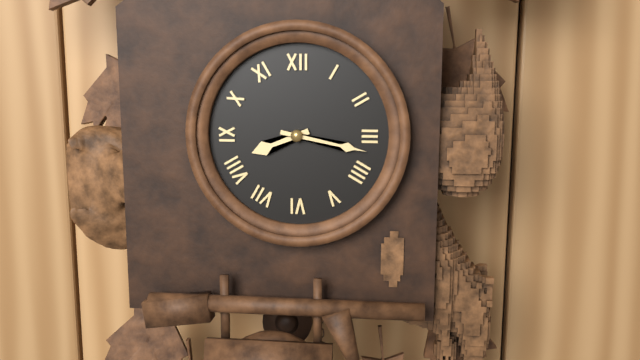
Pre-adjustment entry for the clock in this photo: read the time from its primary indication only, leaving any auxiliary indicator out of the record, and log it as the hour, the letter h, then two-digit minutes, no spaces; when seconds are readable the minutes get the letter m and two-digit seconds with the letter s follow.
8h17
